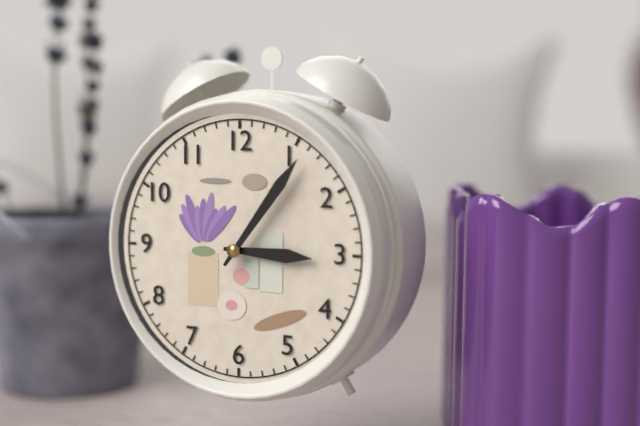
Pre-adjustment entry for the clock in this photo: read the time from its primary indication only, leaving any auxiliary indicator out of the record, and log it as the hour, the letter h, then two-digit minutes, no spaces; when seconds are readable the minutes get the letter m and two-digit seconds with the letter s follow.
3h06
